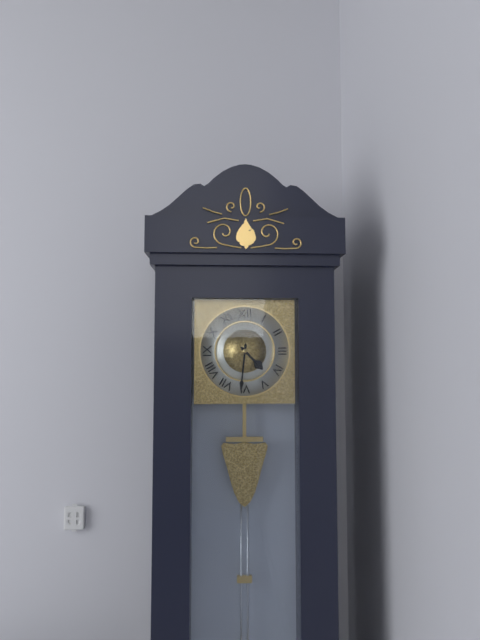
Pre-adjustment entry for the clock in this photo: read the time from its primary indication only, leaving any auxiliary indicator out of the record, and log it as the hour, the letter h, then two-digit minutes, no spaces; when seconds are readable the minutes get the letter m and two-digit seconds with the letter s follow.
4h31
